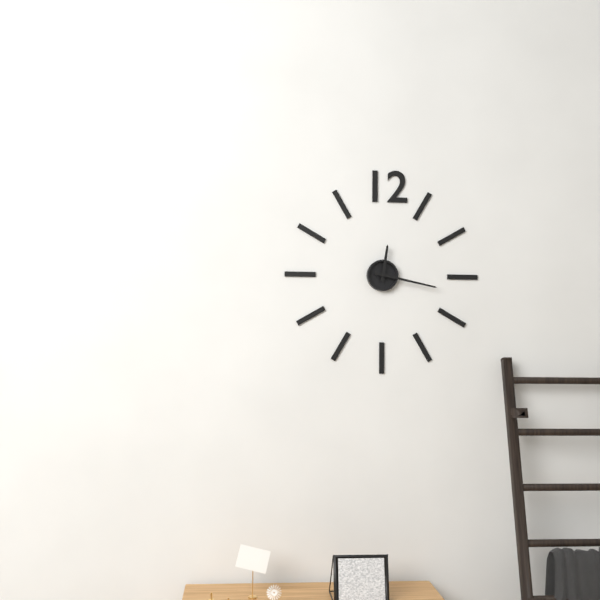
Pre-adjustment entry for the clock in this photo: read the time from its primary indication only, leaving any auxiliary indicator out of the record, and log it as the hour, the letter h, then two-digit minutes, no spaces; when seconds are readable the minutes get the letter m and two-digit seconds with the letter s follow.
12h17
